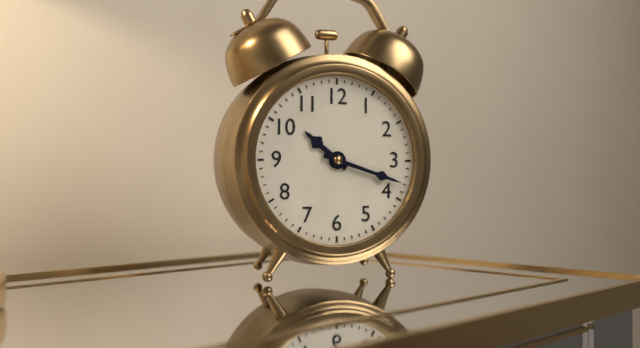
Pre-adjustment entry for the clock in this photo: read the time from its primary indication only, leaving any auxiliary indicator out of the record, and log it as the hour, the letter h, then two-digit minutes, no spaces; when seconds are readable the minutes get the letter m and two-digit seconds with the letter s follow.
10h18
